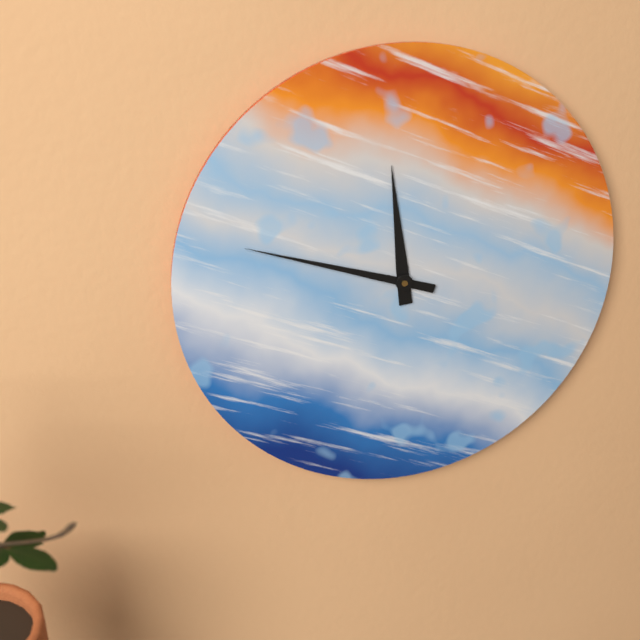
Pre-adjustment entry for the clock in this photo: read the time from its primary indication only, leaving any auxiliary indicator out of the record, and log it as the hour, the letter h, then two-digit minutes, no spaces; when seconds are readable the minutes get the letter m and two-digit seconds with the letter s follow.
11h48
